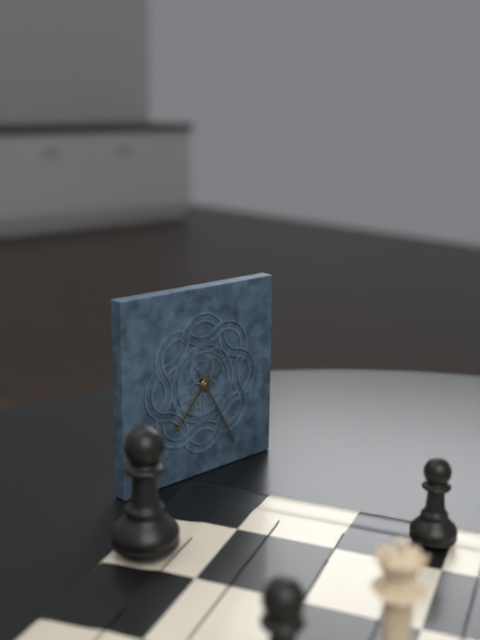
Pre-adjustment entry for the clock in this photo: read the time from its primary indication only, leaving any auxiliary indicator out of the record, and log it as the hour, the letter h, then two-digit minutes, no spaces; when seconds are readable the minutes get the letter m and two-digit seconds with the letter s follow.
7h25
